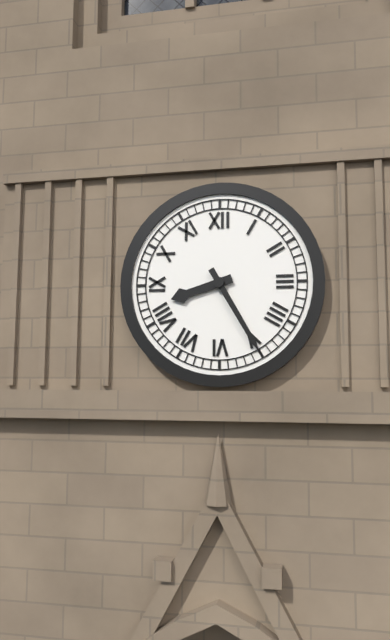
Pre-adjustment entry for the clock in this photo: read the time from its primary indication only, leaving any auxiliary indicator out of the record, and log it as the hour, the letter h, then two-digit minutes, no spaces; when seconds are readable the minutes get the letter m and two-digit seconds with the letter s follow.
8h25
